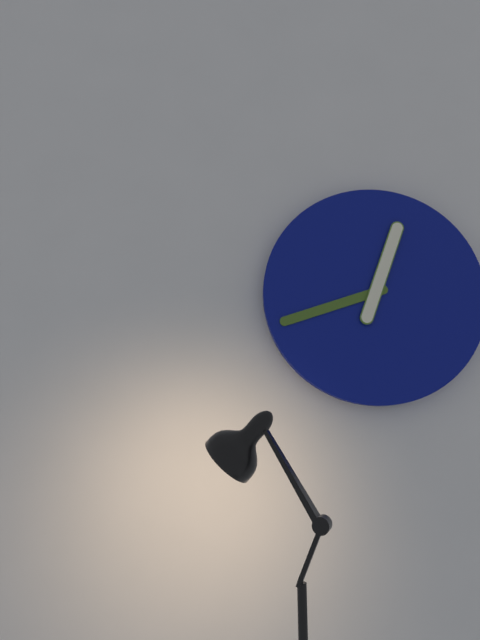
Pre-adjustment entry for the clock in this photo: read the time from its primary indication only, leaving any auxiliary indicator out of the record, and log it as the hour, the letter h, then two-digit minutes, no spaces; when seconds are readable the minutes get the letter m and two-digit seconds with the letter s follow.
12h42
